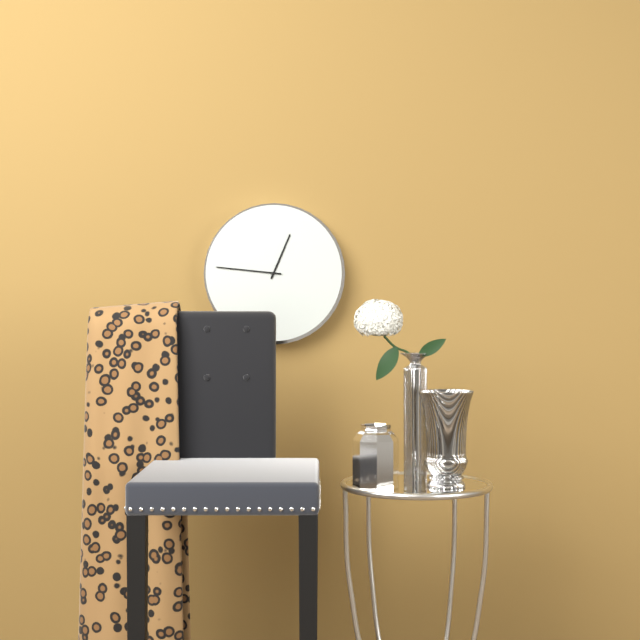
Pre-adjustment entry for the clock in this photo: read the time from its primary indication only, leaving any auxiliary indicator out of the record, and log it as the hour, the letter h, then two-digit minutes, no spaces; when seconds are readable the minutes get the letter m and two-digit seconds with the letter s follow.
12h46
